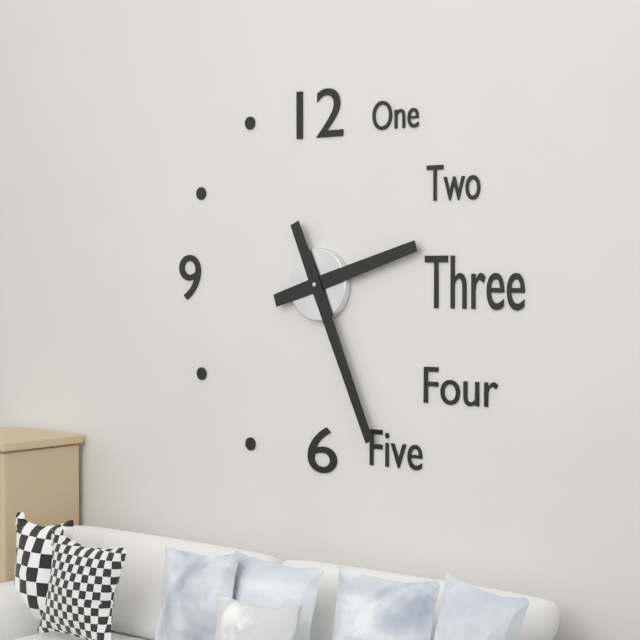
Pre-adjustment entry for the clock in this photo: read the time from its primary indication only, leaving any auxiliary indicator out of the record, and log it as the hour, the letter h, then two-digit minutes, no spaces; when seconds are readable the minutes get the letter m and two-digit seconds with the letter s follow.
2h26
